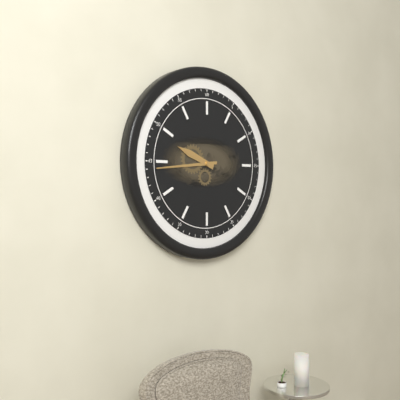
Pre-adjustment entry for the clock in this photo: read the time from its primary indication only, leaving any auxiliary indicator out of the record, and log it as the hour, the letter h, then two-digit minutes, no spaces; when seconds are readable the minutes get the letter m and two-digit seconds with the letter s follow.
9h44
